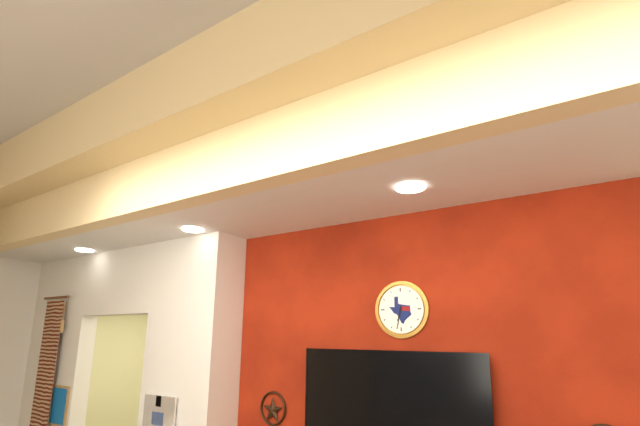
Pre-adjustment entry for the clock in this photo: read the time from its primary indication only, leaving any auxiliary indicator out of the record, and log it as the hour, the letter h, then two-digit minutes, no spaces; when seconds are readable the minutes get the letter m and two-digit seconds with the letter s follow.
6h32
